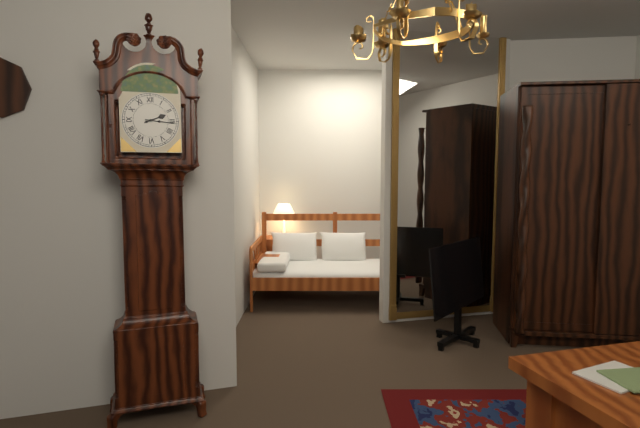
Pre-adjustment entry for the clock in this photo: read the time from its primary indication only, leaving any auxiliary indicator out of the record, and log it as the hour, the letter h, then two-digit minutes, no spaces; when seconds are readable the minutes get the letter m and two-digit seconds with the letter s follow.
2h16
